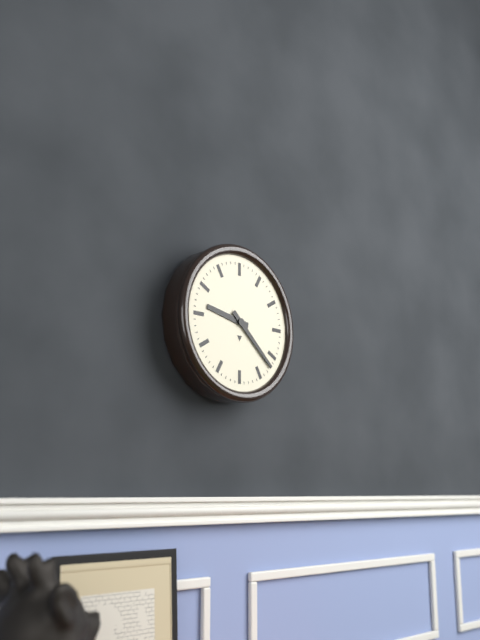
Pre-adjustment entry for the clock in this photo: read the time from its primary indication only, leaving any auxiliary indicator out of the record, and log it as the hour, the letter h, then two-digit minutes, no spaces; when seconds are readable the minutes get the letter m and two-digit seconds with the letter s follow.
9h22
